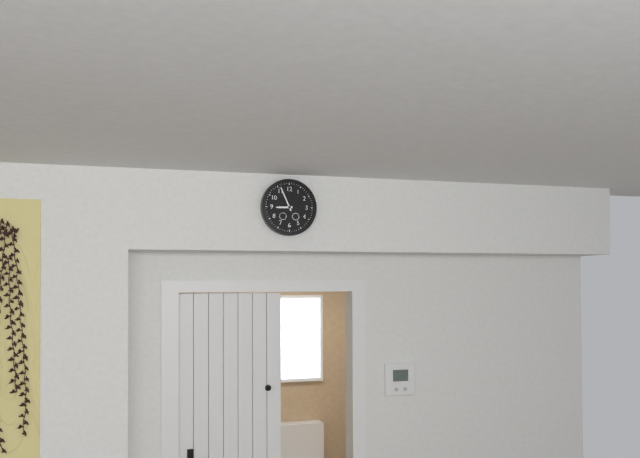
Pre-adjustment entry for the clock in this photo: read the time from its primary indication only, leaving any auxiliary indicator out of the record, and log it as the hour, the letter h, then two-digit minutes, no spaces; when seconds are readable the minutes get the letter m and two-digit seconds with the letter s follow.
8h56
